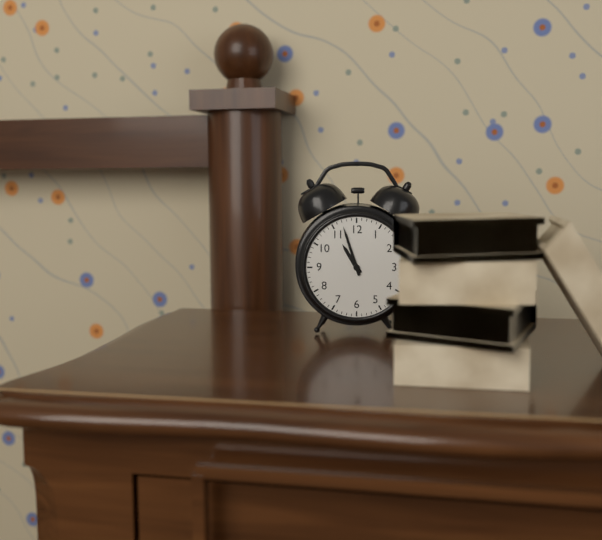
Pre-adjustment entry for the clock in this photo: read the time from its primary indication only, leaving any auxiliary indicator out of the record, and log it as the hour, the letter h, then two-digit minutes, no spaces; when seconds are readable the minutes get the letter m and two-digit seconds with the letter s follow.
10h57
